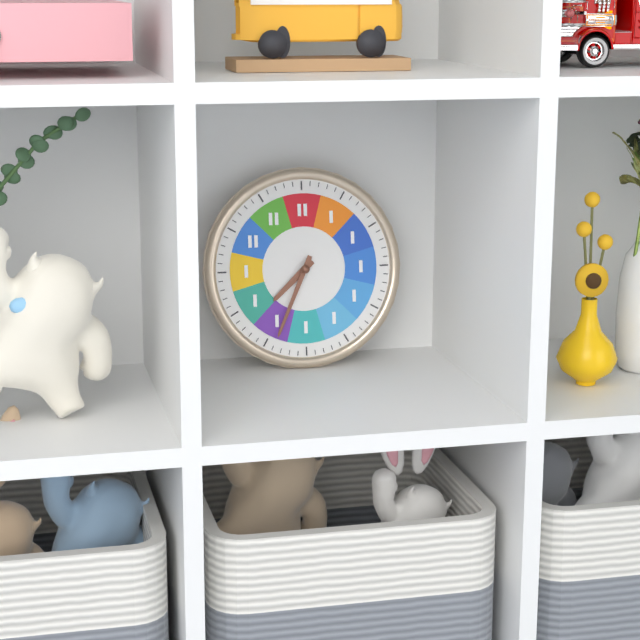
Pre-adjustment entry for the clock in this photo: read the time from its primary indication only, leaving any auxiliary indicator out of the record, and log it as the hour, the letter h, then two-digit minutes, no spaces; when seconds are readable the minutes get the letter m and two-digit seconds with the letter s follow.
7h34
